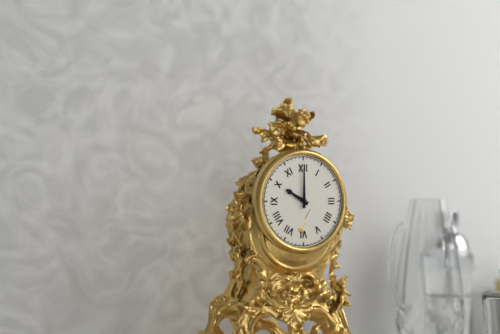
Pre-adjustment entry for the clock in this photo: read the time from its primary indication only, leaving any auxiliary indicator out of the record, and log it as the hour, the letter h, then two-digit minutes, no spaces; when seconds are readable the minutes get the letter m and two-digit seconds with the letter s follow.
10h00
